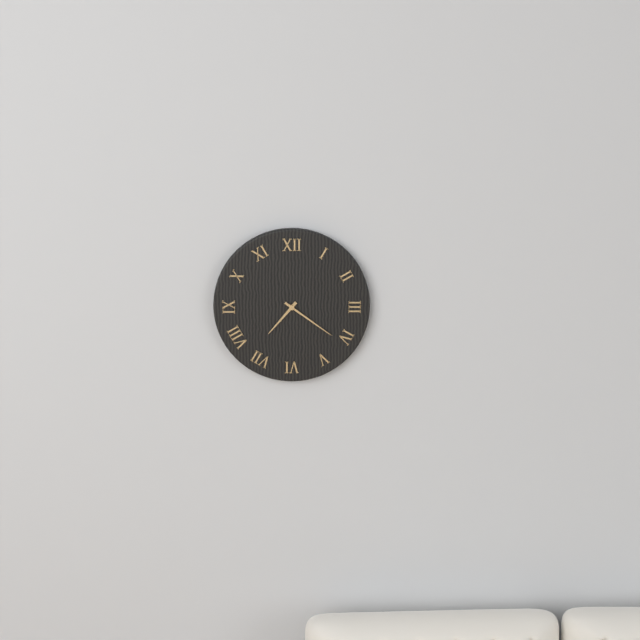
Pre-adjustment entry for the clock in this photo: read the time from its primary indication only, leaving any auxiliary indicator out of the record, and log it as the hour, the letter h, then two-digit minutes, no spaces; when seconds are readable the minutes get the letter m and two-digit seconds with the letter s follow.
7h21
